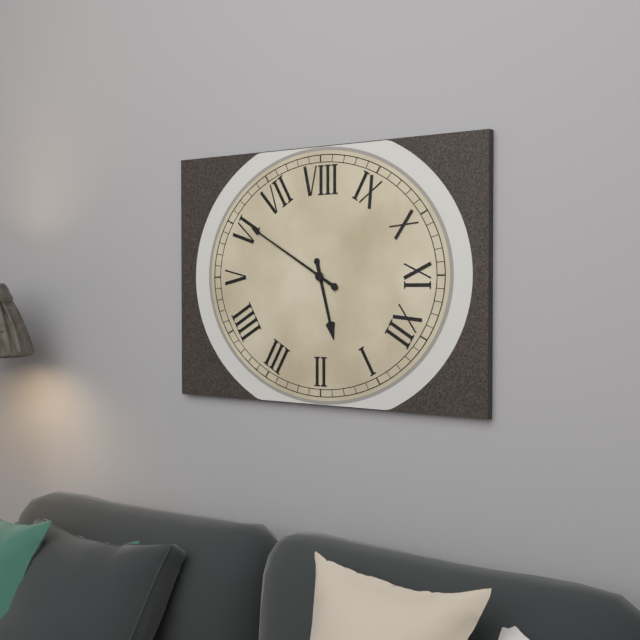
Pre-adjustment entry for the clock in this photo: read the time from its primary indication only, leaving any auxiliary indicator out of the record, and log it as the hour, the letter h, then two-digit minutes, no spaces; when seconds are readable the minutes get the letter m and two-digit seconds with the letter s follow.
1h30
